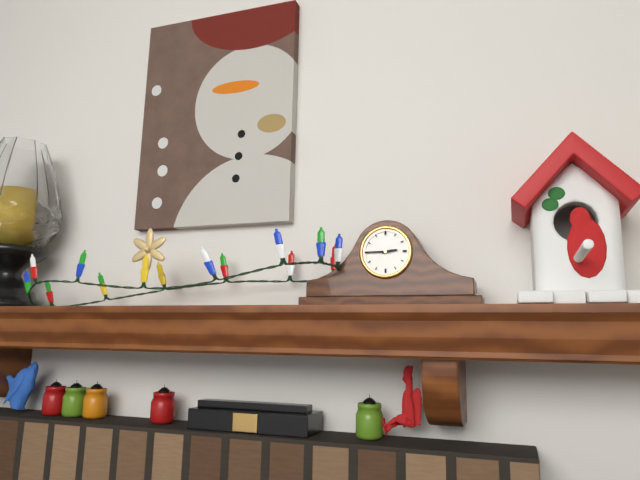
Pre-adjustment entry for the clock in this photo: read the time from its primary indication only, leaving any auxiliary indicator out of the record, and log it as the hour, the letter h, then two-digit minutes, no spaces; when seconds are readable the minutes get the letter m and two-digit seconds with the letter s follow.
2h45
